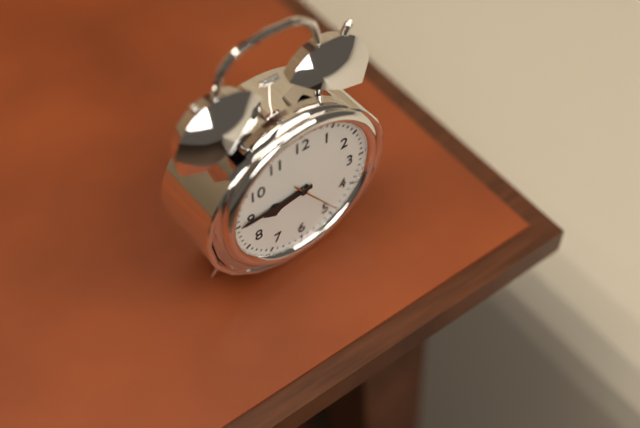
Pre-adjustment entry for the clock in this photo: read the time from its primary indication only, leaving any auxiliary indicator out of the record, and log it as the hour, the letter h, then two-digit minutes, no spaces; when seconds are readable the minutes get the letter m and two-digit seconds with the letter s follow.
8h45
